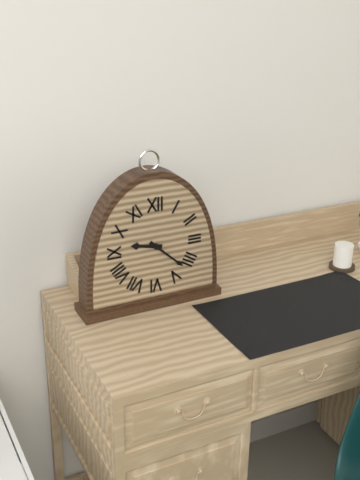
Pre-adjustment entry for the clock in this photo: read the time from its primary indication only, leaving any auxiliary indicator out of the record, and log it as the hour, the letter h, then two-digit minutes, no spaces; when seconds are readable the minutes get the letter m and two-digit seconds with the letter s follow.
9h22
